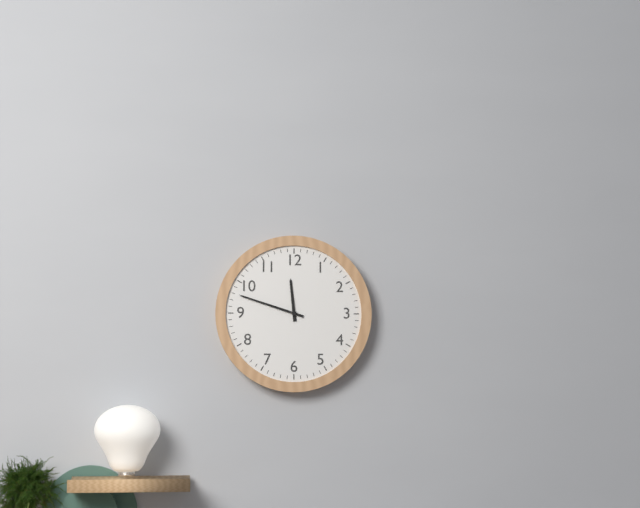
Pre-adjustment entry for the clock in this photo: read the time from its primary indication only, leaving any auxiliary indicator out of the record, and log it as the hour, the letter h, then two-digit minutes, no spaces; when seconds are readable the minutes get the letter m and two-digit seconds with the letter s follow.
11h48
